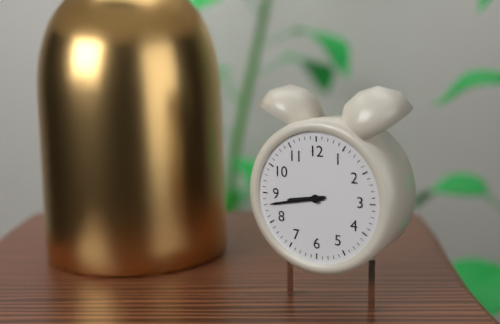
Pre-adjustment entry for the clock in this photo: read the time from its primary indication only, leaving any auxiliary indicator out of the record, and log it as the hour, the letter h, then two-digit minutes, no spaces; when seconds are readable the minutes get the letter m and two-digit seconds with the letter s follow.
8h43
